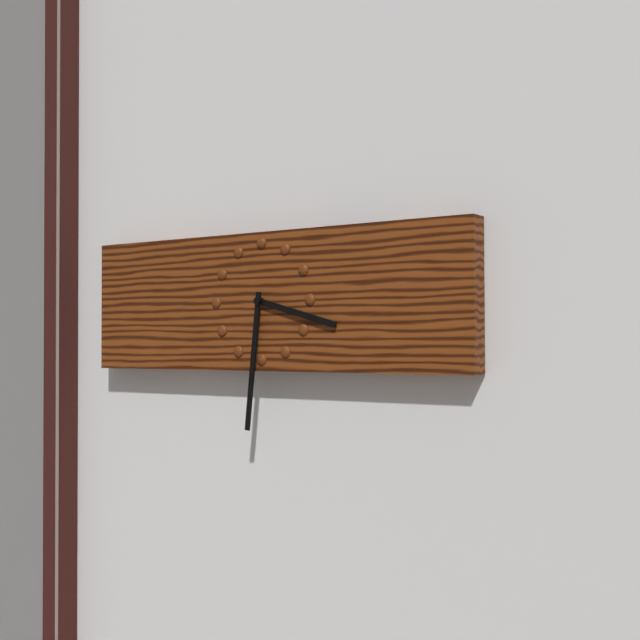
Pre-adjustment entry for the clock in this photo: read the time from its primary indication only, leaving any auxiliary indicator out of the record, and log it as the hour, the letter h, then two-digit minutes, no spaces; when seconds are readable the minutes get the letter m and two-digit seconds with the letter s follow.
3h31
